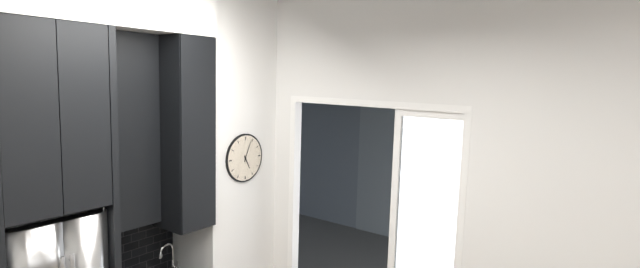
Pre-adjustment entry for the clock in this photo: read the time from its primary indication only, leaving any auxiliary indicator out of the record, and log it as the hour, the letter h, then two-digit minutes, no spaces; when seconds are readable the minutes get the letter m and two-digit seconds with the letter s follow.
5h04
